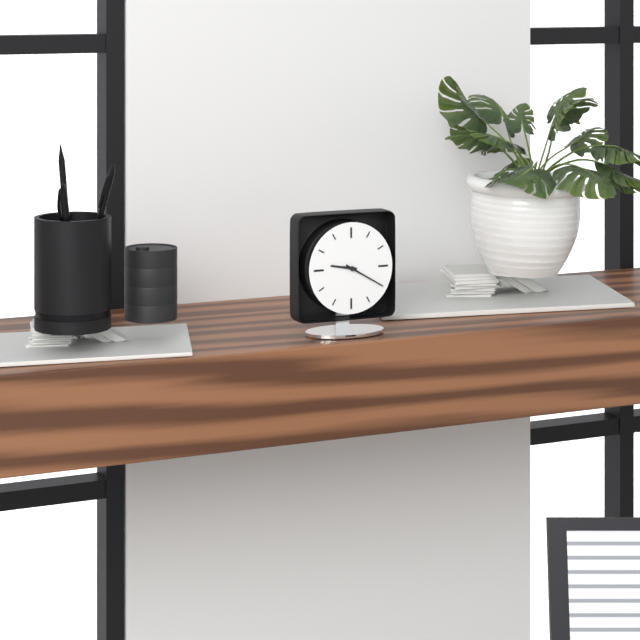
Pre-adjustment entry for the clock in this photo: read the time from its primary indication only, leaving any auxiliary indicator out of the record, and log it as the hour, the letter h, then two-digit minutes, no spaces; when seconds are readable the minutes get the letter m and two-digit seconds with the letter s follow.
9h20
